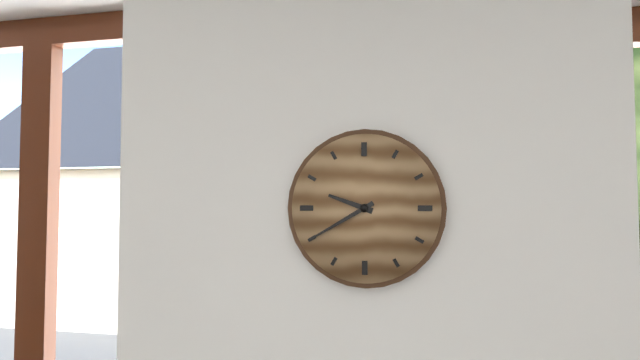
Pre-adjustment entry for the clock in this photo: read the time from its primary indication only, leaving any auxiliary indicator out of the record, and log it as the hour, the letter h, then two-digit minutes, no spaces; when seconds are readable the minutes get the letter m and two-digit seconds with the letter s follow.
9h40
